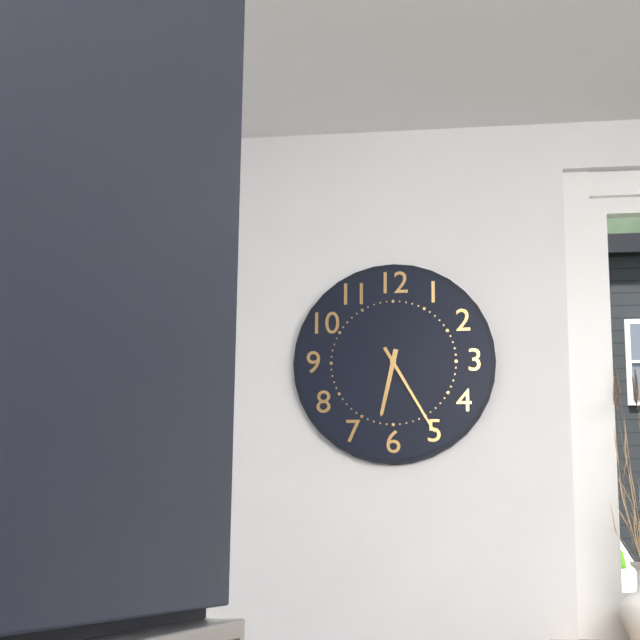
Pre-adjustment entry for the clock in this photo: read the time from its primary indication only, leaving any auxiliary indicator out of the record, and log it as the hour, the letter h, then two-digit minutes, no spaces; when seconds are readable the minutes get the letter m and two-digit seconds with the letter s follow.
6h25
